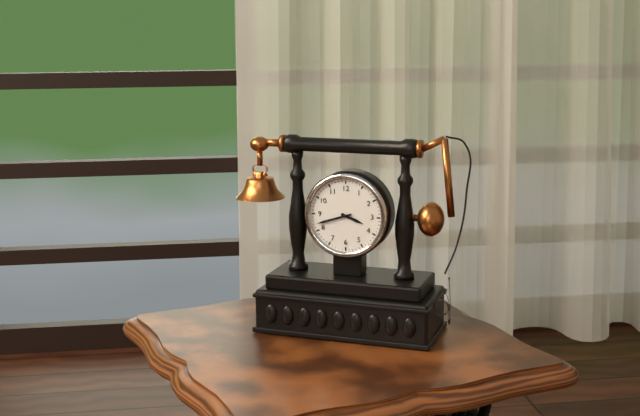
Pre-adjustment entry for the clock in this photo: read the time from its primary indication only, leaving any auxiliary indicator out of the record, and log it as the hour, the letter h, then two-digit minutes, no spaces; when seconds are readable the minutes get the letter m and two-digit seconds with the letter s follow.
3h42
